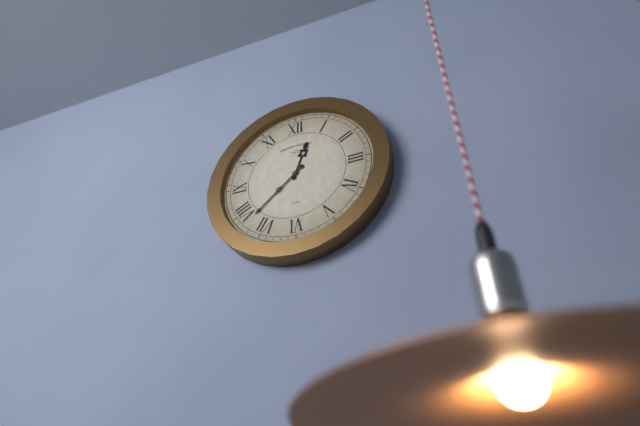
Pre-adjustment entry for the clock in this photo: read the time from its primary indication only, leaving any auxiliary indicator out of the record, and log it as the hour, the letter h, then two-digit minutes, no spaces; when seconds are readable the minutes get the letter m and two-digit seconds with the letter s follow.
12h38
